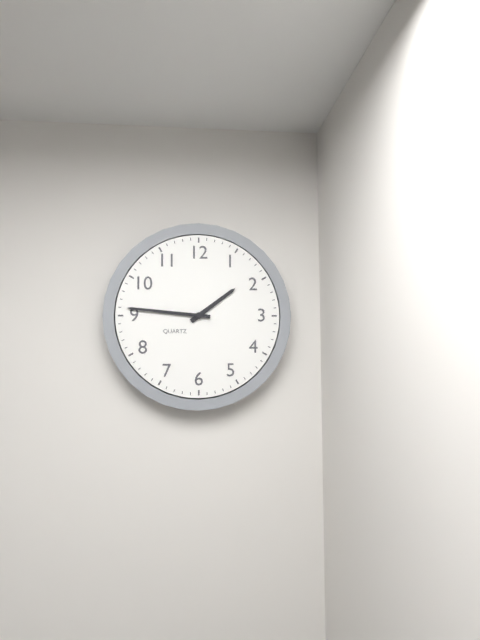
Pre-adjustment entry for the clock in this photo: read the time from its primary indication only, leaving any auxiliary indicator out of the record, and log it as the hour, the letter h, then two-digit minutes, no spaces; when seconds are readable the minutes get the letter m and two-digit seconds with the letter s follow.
1h46
